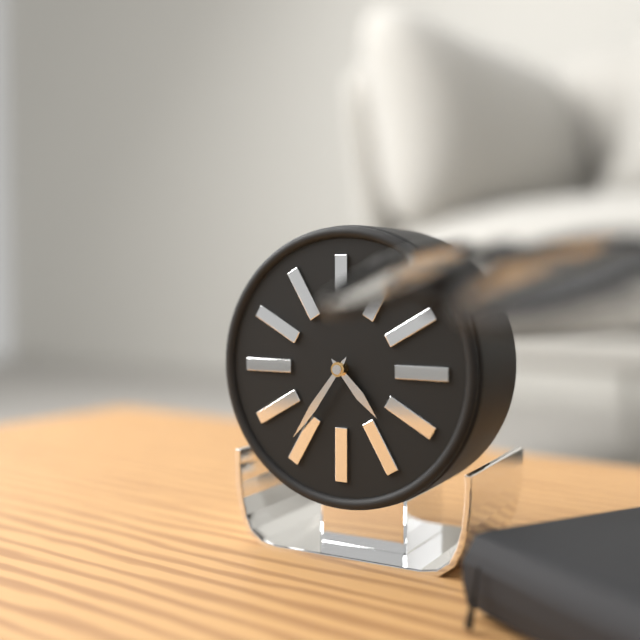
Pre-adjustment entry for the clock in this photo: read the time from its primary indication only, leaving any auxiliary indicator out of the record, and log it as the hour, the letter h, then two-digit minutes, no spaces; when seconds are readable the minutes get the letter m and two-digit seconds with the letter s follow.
4h36
